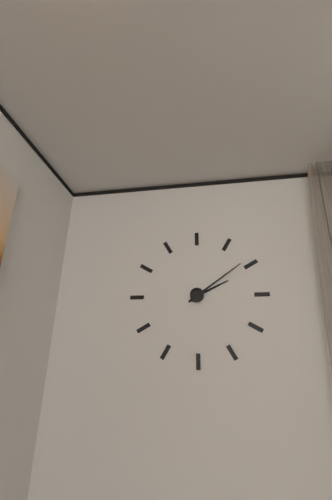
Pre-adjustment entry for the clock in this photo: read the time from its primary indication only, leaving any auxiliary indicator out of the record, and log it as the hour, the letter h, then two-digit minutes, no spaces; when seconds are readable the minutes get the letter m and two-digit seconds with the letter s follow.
2h09
